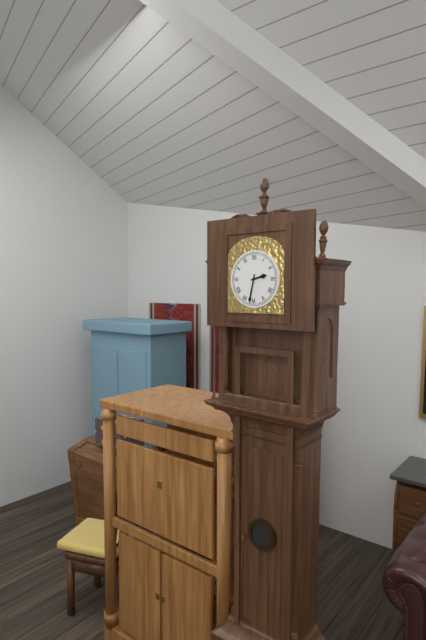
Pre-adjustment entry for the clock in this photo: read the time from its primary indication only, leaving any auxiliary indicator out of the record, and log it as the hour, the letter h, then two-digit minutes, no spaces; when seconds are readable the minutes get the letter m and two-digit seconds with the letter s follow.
2h32
